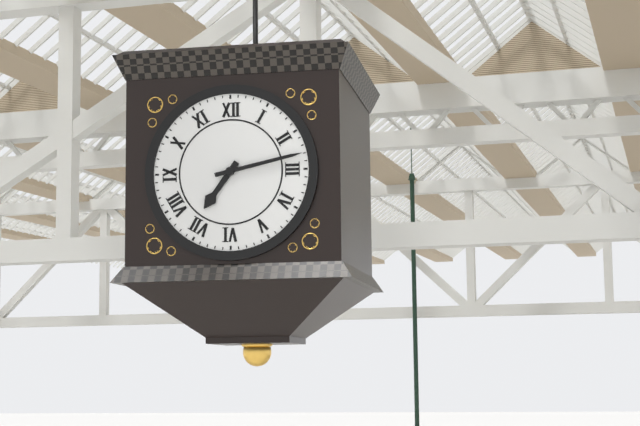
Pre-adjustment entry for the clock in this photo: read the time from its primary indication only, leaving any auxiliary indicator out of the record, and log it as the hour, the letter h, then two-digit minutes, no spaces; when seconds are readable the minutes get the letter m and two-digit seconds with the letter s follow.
7h13
